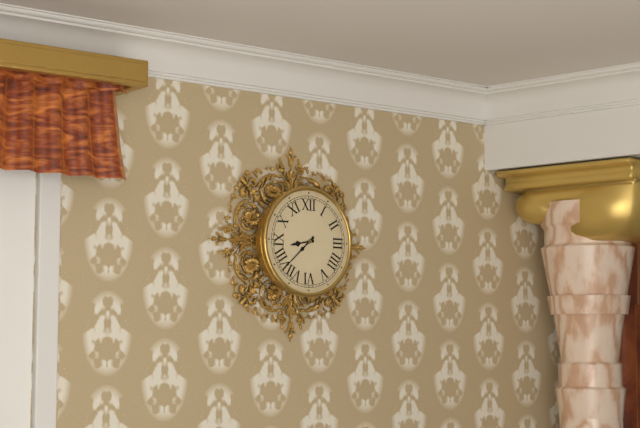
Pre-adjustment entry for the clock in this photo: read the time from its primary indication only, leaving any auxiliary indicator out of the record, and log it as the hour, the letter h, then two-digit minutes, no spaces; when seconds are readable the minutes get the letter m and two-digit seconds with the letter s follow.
8h38
